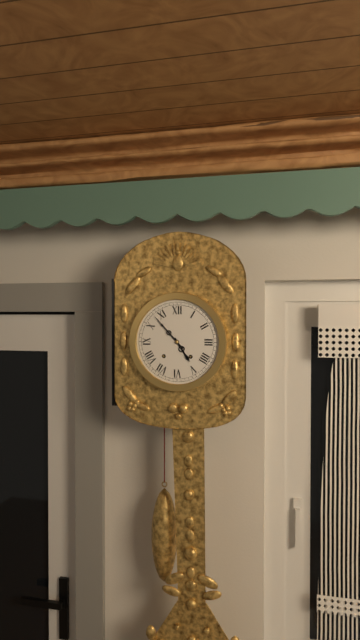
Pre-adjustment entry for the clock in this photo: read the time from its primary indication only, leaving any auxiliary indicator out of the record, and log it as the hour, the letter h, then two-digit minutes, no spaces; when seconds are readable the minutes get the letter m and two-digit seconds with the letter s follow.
4h53
